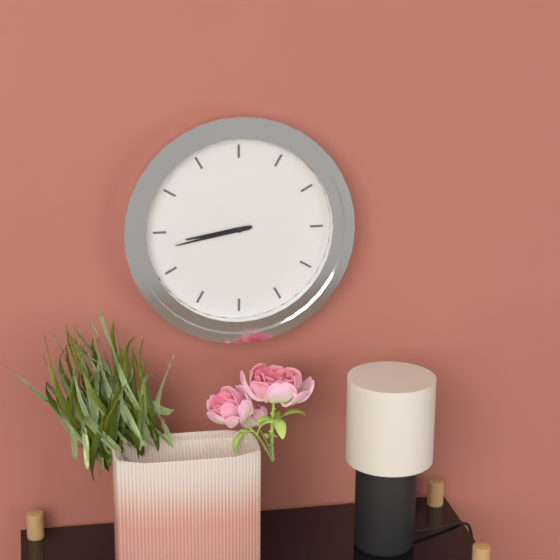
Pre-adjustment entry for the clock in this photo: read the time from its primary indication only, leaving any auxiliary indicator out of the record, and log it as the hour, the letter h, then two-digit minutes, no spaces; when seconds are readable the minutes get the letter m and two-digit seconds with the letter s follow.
8h43
